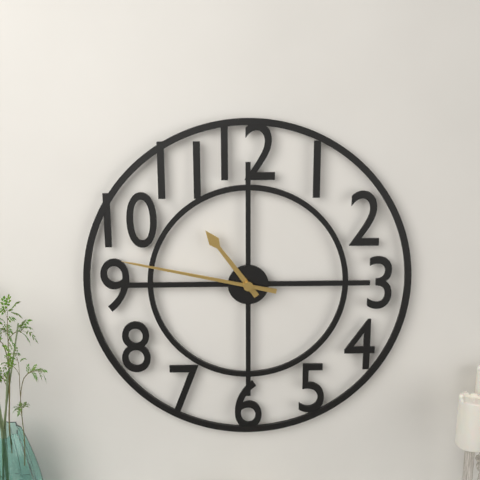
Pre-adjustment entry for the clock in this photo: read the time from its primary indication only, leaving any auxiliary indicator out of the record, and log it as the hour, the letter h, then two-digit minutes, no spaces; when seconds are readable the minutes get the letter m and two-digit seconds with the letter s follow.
10h47
